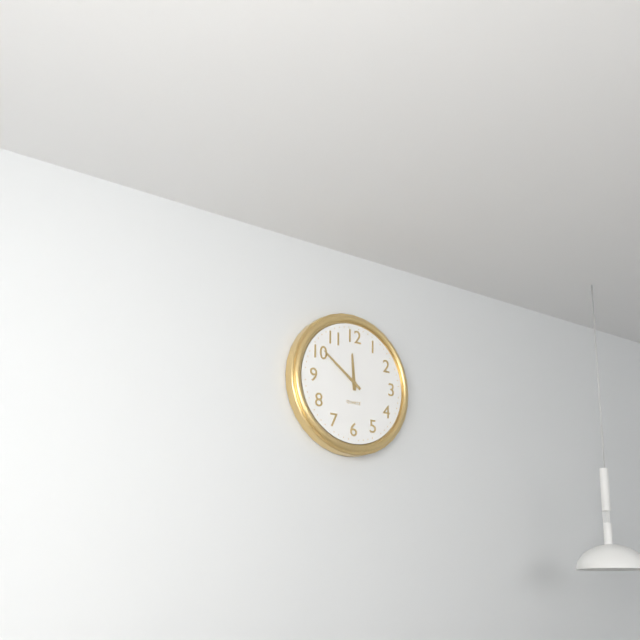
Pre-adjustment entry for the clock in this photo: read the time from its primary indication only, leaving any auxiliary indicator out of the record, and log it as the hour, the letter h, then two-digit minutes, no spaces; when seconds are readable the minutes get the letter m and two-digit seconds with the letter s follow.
11h51
